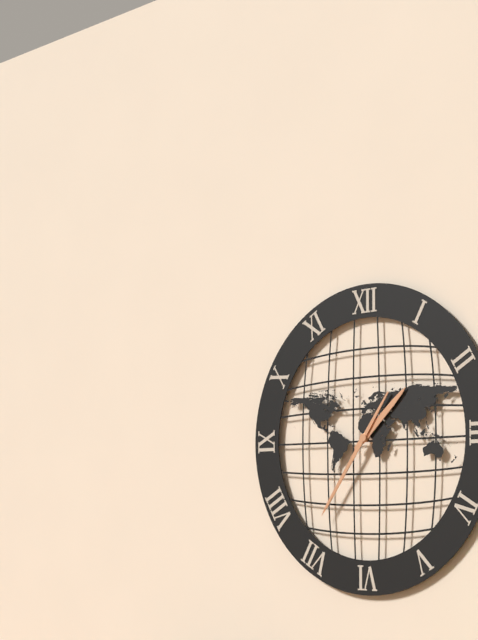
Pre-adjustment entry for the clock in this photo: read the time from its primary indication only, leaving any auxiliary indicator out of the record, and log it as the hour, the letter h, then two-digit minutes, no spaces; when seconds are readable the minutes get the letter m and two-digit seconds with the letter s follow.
1h36
